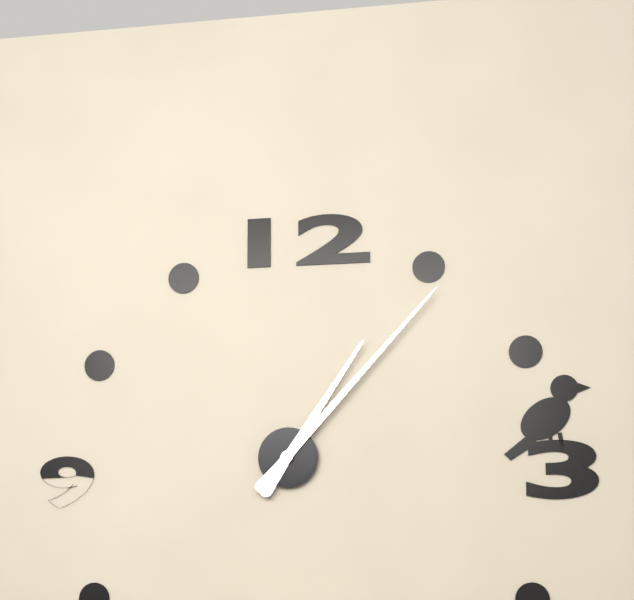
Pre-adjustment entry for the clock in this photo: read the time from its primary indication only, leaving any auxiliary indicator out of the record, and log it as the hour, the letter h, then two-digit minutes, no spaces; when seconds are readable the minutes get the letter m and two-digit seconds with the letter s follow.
1h07
